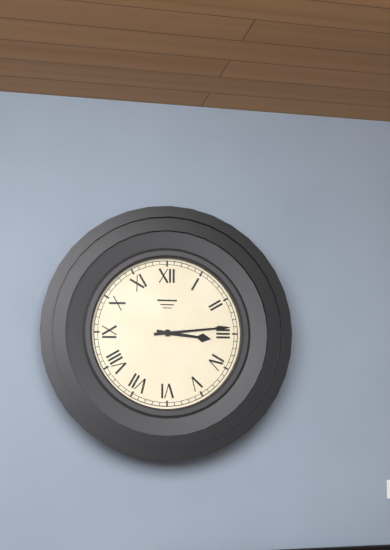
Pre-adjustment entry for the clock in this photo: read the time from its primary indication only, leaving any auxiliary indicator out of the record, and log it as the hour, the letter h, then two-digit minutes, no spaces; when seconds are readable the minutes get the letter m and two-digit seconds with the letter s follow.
3h14
